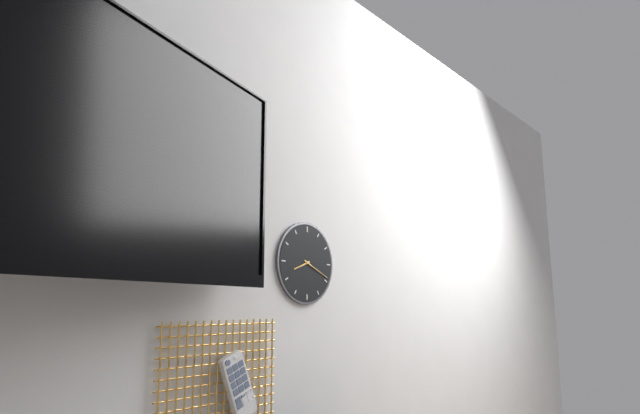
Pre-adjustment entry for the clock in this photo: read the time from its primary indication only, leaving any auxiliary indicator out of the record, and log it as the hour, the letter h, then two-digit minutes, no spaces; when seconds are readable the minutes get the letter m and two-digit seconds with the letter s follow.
8h19
